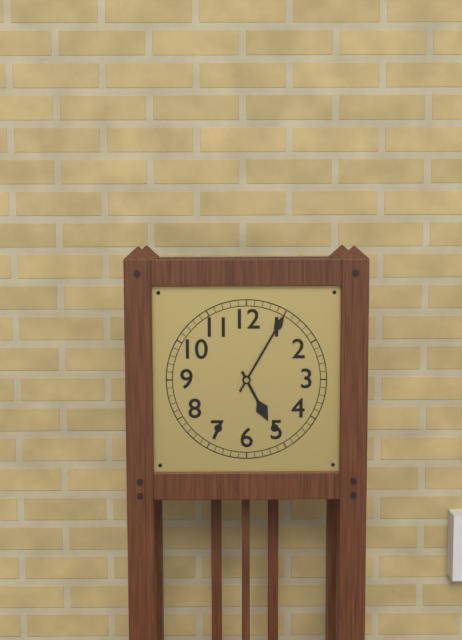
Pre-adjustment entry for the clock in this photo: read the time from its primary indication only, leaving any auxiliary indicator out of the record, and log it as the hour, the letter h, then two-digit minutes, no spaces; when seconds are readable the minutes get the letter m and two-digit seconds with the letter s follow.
5h05
